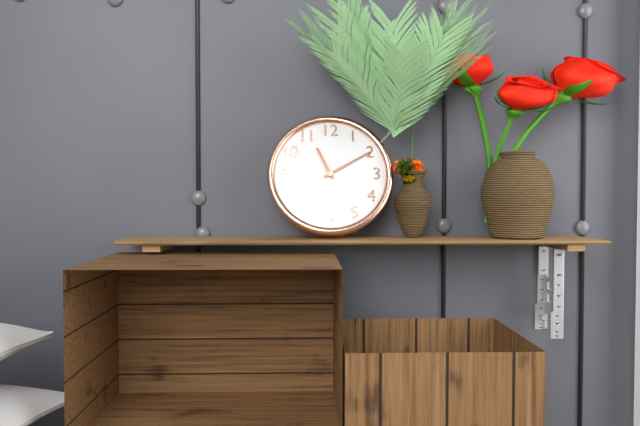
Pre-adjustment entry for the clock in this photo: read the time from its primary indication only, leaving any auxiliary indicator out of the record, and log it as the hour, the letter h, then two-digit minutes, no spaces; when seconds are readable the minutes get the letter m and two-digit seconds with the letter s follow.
11h10
